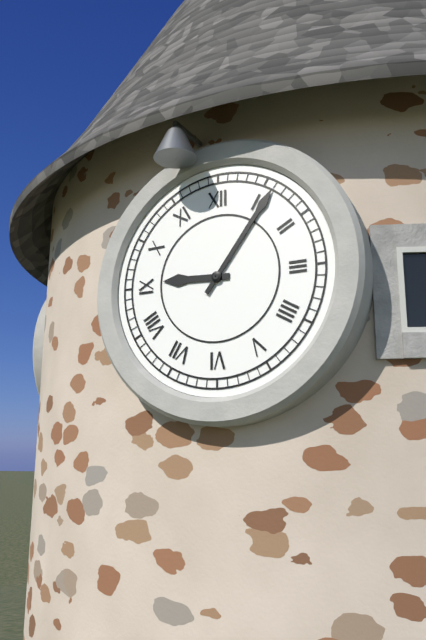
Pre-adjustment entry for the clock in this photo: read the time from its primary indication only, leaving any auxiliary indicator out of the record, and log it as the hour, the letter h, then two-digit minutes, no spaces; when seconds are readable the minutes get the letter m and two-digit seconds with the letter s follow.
9h06
